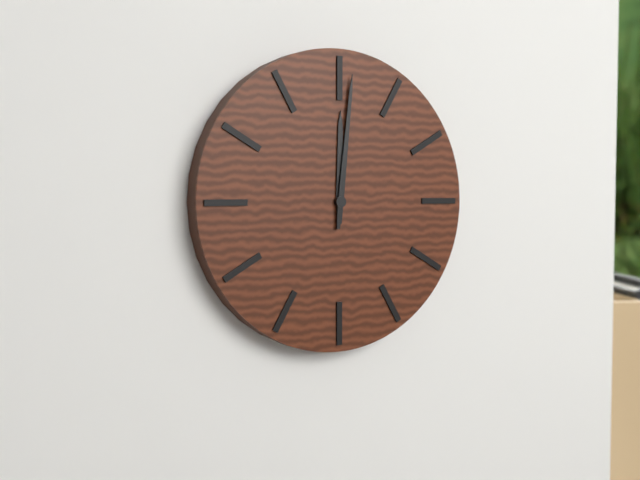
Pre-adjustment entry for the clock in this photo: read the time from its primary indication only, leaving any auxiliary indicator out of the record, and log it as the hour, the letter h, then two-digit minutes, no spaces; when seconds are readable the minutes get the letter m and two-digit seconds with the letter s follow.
12h01
